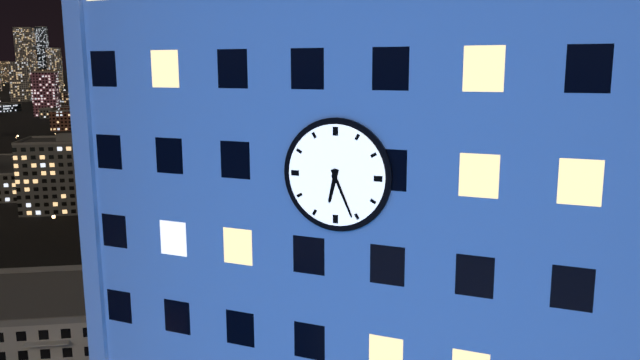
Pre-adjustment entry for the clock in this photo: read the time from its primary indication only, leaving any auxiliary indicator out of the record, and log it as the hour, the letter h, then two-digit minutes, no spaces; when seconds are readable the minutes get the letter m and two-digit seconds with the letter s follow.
6h26
